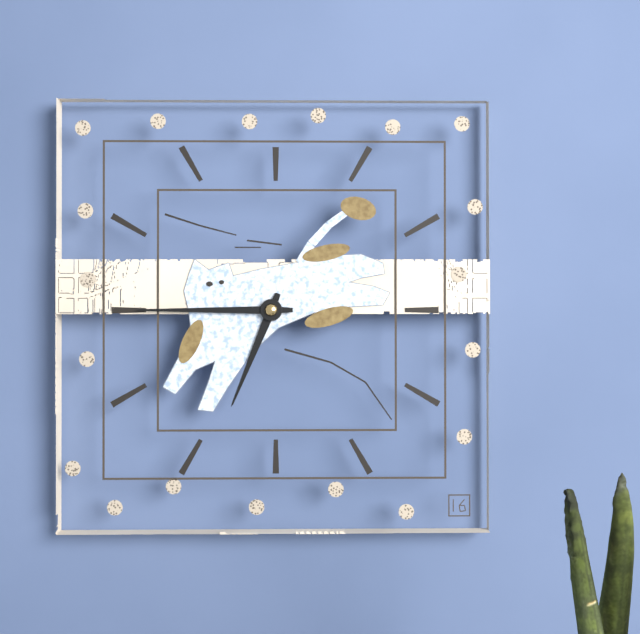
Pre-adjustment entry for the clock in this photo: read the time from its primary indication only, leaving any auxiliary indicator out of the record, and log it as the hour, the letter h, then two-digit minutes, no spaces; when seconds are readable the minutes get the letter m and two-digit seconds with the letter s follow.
6h45
